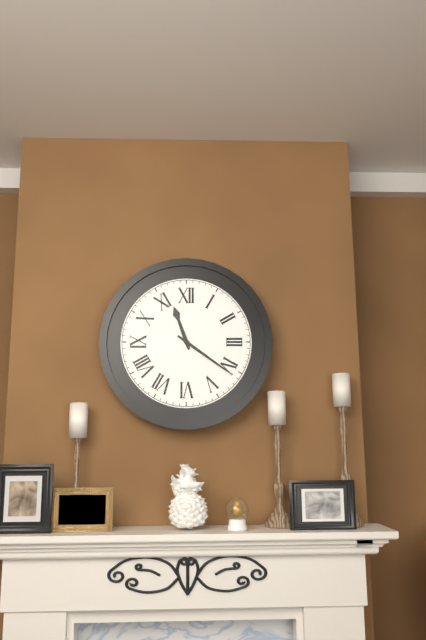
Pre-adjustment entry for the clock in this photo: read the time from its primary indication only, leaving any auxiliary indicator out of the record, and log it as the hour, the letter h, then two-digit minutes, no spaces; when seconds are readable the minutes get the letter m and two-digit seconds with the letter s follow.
11h21
